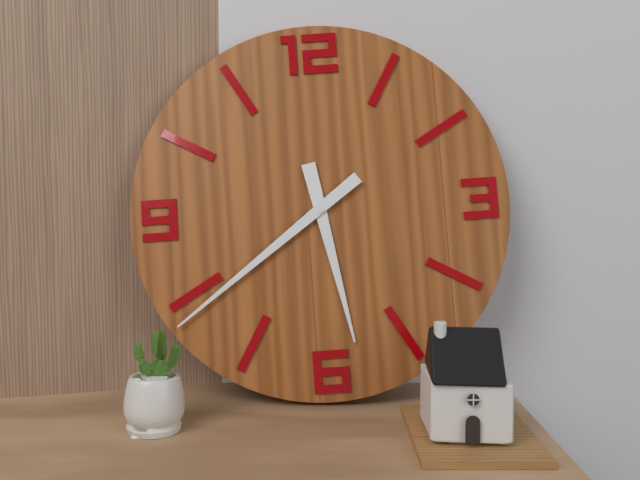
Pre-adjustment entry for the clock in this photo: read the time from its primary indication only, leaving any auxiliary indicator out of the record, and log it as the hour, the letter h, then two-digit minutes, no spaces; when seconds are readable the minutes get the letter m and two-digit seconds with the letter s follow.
5h39
